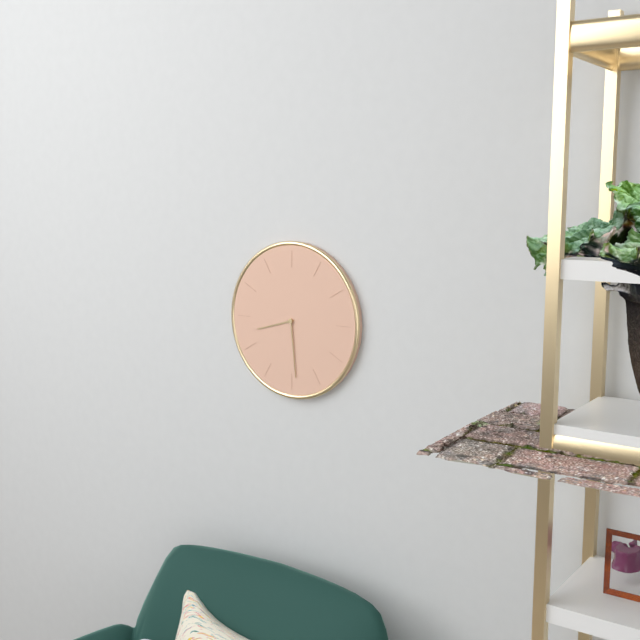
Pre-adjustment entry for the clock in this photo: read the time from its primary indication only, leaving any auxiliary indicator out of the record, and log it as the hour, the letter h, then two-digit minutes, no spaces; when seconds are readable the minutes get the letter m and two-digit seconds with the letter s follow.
8h29
